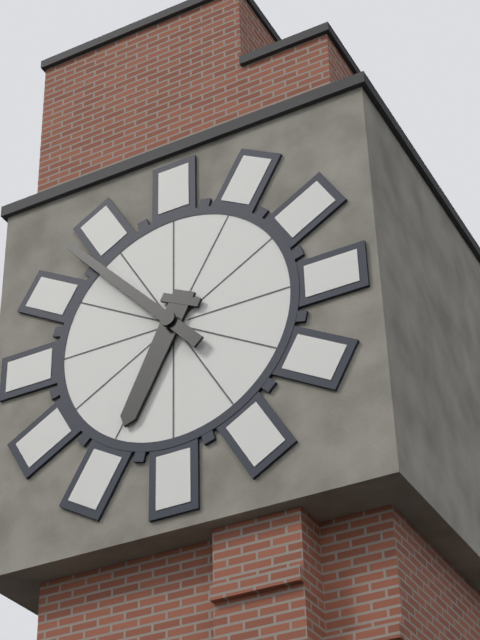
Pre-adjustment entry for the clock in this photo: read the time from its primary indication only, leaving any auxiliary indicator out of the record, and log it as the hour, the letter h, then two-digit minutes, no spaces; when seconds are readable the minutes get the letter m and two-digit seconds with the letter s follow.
6h53
